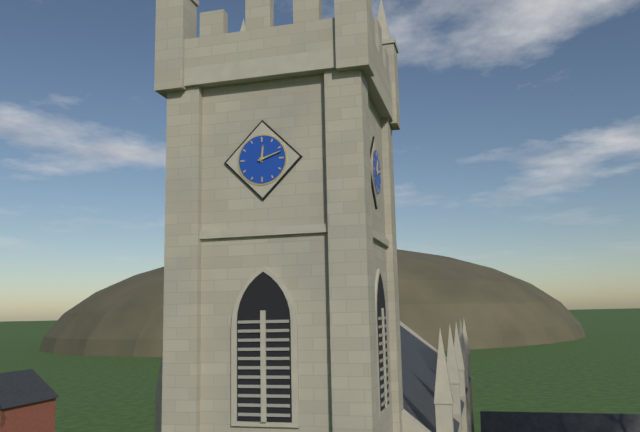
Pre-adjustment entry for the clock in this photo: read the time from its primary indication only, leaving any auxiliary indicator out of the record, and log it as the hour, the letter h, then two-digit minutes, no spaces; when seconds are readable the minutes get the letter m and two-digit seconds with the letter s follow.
12h12
